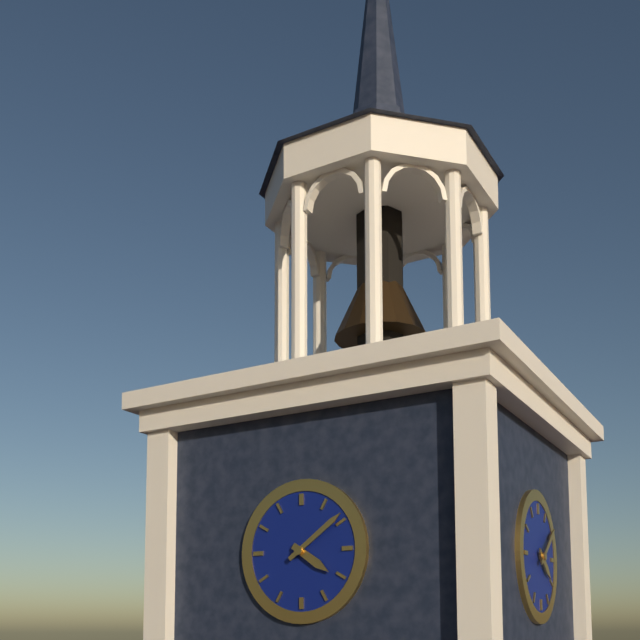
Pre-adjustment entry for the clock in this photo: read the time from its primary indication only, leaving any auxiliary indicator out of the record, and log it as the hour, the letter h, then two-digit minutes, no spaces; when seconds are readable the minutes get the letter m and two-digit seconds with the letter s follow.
4h09
